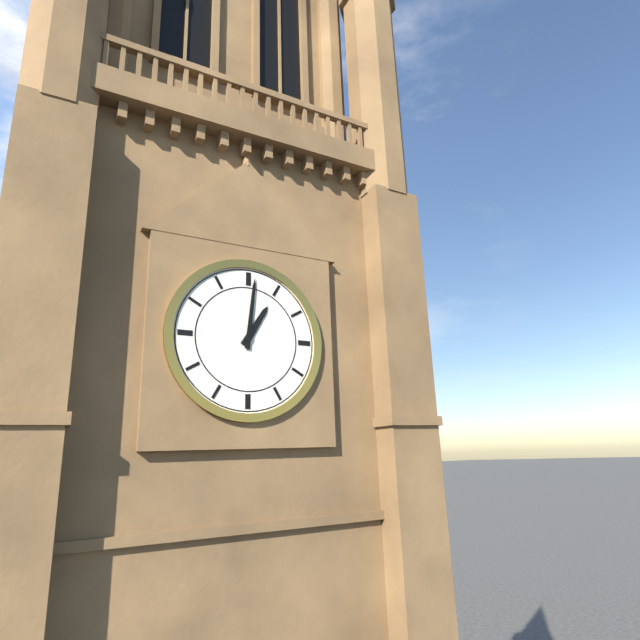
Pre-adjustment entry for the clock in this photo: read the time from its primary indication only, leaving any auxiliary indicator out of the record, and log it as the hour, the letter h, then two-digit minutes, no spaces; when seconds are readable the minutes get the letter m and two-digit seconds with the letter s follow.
1h01
